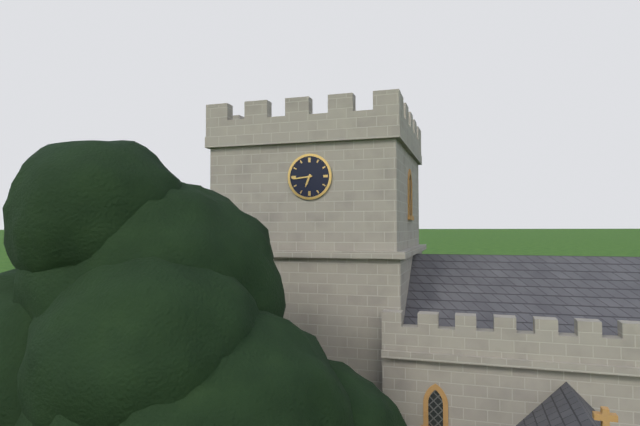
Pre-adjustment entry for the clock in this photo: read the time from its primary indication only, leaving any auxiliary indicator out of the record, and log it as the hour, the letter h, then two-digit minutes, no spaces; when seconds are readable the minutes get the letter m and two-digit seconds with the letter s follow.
6h44
